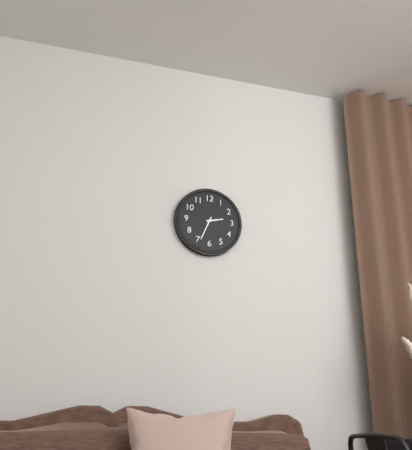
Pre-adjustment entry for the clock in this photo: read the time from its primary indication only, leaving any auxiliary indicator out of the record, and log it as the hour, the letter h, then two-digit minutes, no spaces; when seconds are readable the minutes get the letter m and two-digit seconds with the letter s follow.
2h34
